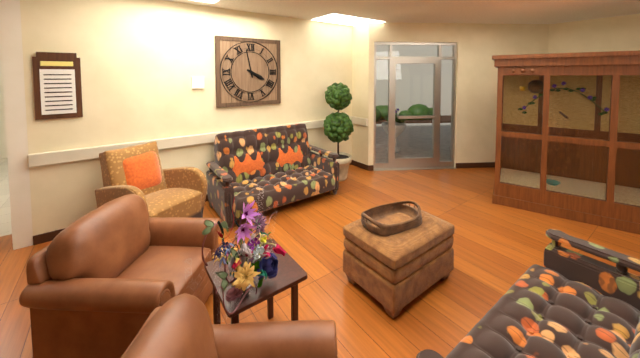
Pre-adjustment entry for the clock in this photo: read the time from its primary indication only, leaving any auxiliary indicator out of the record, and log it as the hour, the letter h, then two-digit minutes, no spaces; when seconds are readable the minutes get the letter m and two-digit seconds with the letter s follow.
3h58
